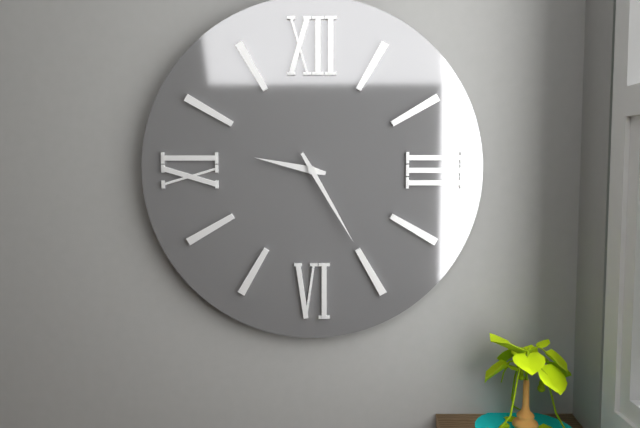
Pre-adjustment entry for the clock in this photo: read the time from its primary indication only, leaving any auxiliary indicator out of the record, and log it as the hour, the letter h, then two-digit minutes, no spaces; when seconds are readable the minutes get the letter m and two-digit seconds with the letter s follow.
9h25
